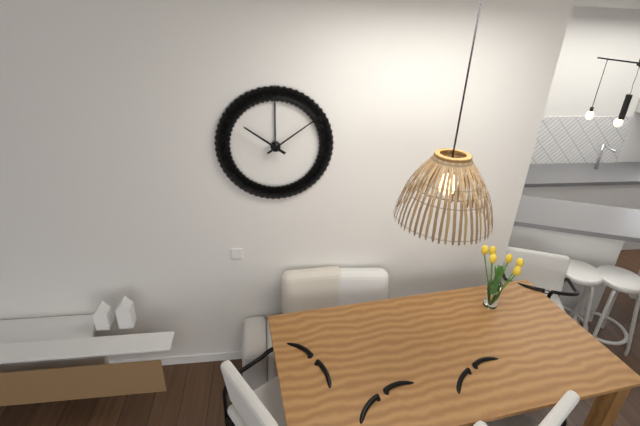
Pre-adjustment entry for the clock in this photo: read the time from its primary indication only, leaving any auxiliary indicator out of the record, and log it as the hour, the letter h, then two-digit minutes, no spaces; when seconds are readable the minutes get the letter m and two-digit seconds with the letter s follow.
10h09
